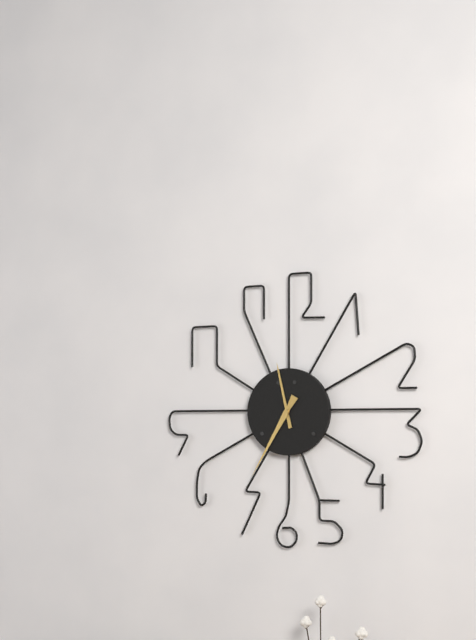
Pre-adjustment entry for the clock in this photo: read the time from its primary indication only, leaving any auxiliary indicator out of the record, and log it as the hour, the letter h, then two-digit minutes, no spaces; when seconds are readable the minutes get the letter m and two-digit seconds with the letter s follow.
11h35
